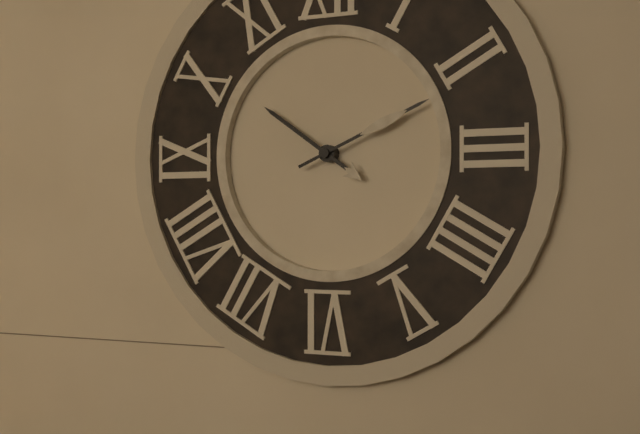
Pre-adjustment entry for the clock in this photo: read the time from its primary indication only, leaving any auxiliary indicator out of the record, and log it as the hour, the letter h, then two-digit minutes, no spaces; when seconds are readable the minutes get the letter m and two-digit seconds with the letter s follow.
10h11
